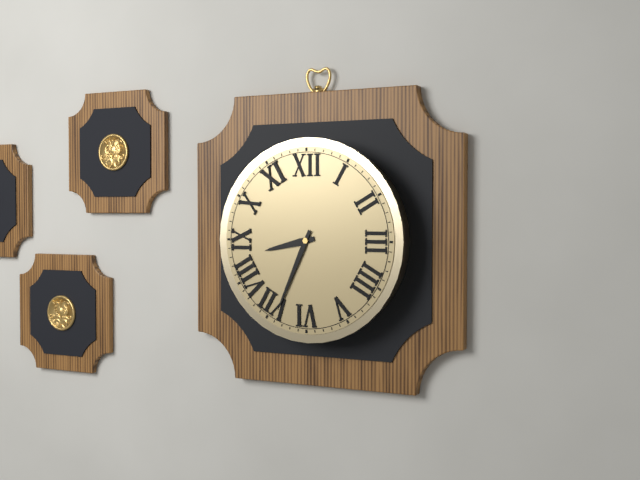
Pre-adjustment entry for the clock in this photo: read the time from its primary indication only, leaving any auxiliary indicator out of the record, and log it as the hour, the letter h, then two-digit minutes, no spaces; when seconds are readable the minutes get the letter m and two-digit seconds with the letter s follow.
8h34
